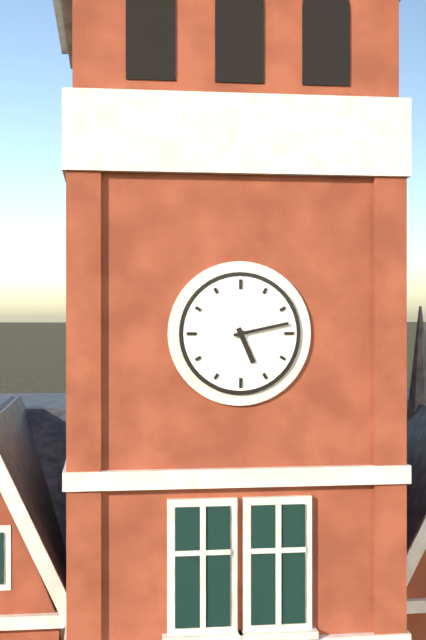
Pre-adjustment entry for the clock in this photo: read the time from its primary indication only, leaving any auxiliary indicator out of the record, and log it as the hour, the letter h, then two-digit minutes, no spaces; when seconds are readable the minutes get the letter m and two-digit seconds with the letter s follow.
5h13
